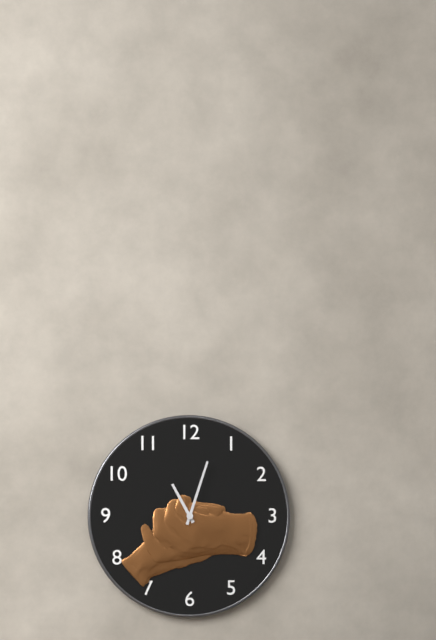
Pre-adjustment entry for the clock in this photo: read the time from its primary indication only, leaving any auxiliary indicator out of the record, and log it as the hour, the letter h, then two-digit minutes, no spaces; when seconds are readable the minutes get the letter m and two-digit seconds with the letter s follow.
11h03
